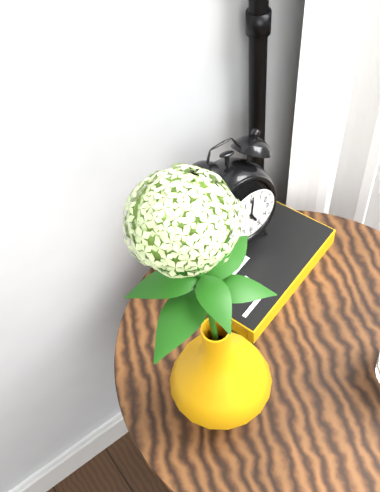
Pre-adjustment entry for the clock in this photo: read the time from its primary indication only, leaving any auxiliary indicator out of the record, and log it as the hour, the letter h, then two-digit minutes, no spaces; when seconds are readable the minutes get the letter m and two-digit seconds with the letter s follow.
5h01
